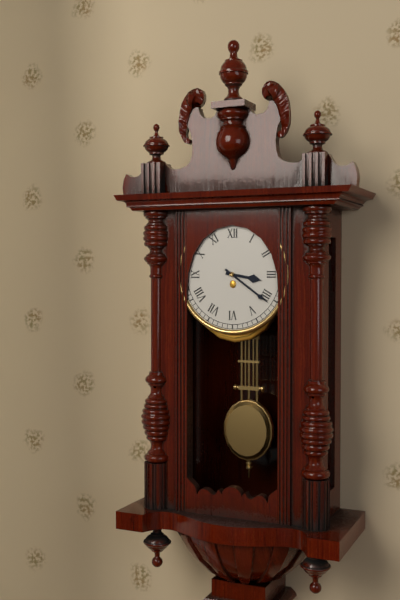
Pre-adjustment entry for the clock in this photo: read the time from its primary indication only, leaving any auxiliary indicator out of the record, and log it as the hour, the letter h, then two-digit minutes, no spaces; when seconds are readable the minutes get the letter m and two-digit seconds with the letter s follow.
3h21
